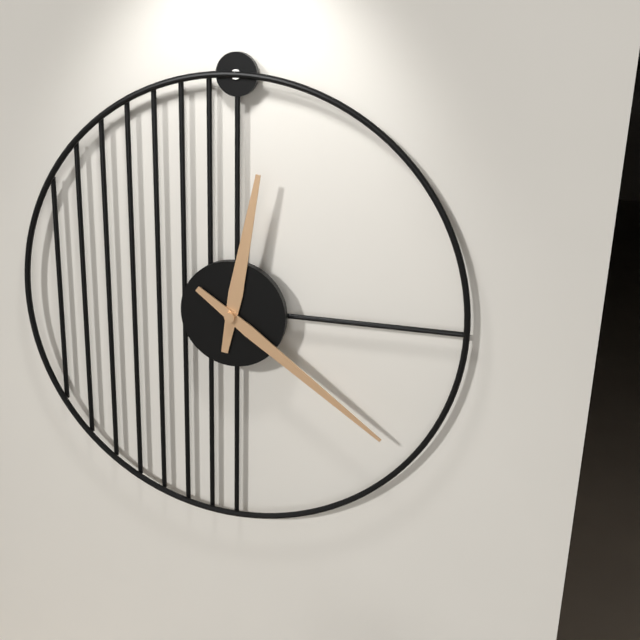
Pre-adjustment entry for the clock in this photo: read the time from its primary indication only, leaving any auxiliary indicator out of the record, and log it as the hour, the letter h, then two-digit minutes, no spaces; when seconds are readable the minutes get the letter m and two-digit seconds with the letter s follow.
12h21
